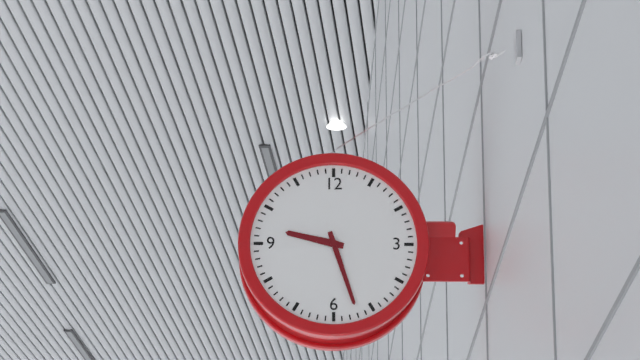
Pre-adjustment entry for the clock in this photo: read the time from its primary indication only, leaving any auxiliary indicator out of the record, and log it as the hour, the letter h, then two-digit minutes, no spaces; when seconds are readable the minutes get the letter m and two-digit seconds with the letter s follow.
9h27
